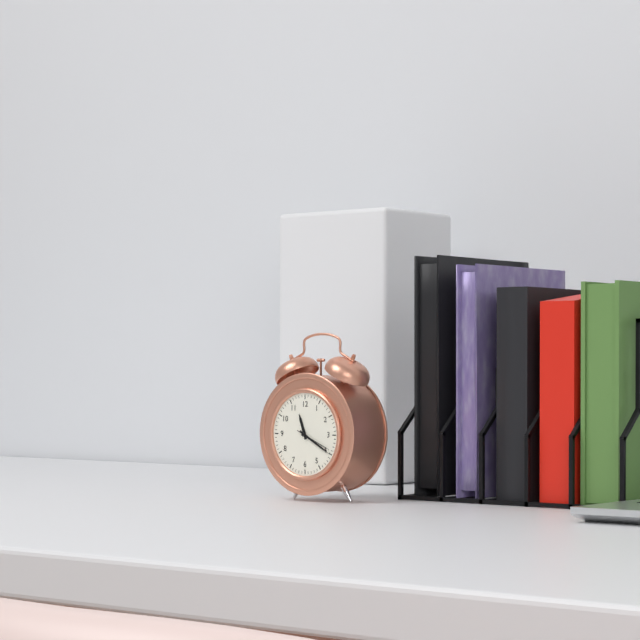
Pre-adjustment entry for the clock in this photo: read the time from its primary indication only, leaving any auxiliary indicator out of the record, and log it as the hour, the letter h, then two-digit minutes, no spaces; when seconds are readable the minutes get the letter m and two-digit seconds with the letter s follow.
11h20
